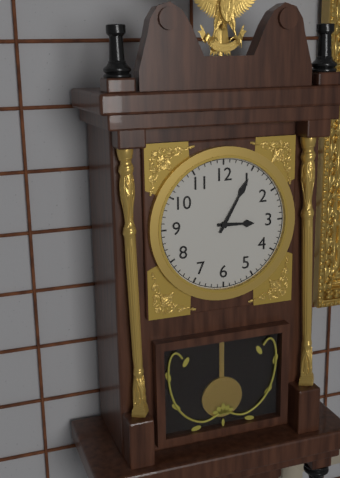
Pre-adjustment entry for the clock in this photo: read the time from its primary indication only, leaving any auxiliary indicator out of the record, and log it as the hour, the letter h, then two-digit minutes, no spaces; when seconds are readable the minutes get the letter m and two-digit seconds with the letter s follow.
3h05
